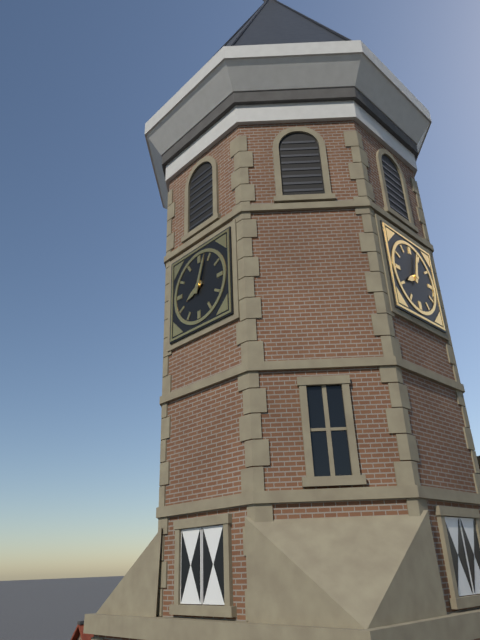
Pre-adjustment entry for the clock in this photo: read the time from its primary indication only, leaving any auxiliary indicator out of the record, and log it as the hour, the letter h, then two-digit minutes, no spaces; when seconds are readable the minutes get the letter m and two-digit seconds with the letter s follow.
8h03
